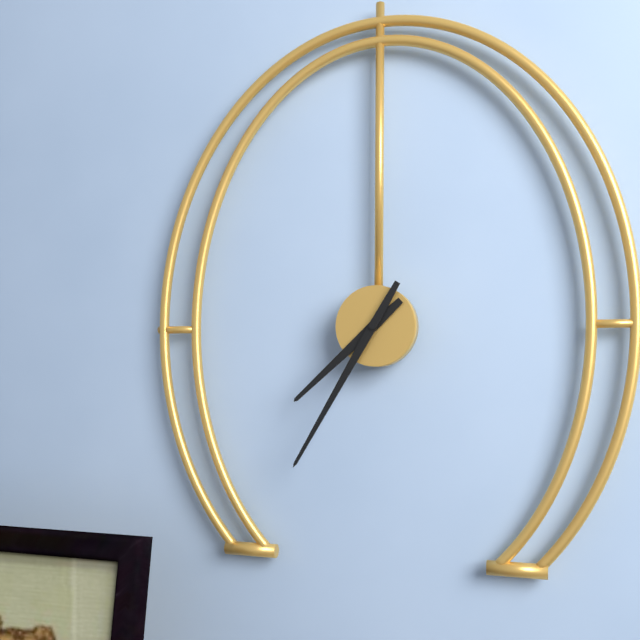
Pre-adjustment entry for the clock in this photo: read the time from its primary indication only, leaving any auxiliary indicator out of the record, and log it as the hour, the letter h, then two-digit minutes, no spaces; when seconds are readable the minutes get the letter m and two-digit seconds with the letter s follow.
7h35
